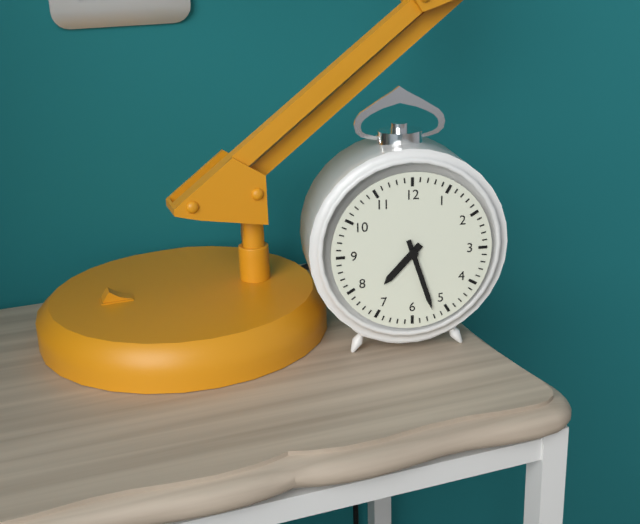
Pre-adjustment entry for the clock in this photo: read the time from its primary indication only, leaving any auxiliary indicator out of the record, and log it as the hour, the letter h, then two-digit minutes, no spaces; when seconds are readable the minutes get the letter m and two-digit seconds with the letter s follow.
7h27
